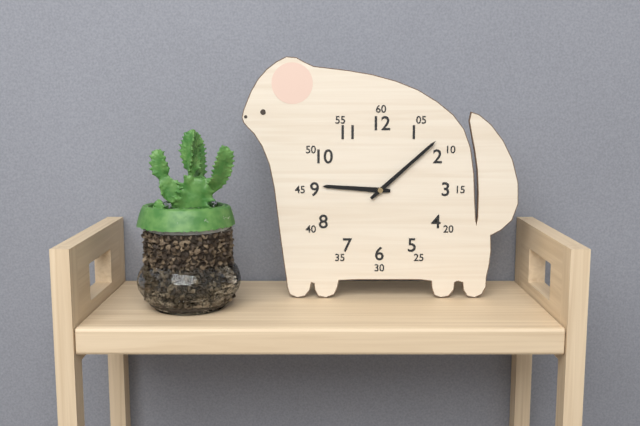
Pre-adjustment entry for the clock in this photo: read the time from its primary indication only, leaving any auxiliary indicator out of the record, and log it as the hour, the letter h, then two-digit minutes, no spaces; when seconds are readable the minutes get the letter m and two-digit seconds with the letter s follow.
9h08
